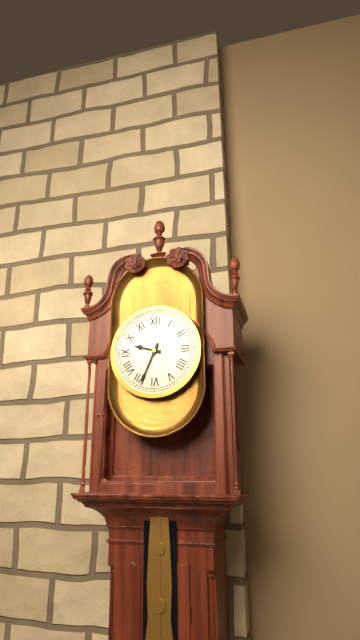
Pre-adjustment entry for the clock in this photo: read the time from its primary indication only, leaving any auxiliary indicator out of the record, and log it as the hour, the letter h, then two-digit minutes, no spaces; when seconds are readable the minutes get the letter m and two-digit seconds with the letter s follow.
9h34
